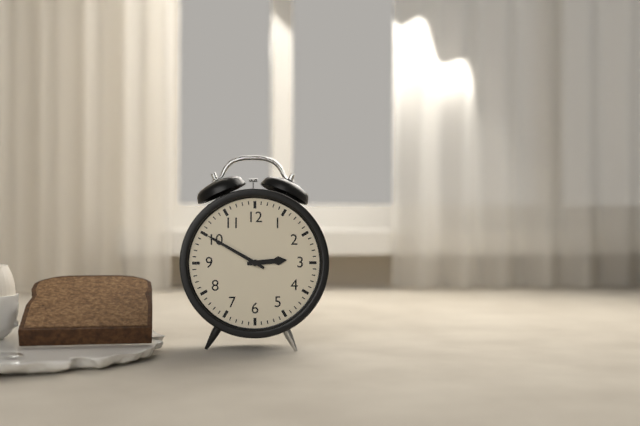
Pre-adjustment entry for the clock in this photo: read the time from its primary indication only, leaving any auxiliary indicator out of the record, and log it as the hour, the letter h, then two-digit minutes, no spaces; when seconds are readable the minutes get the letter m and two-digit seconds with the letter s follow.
2h50
